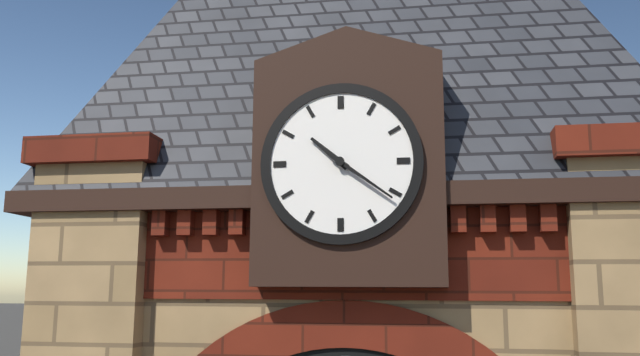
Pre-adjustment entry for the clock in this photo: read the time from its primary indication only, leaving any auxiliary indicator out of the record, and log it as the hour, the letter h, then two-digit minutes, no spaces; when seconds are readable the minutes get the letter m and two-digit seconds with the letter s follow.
10h21
